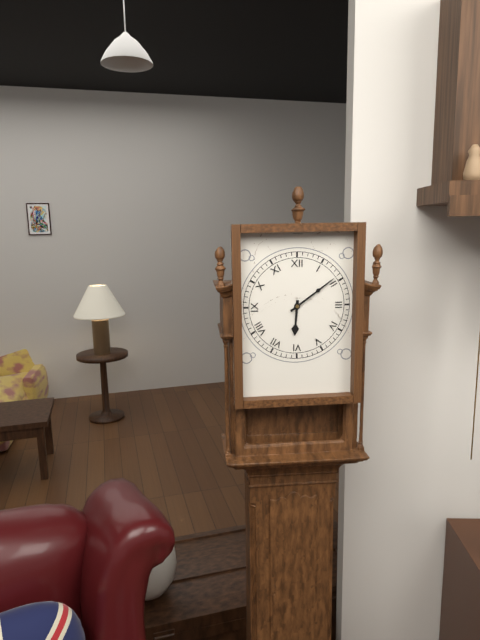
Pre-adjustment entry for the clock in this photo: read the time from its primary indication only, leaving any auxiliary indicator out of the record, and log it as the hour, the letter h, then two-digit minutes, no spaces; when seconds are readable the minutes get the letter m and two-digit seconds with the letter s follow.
6h09
